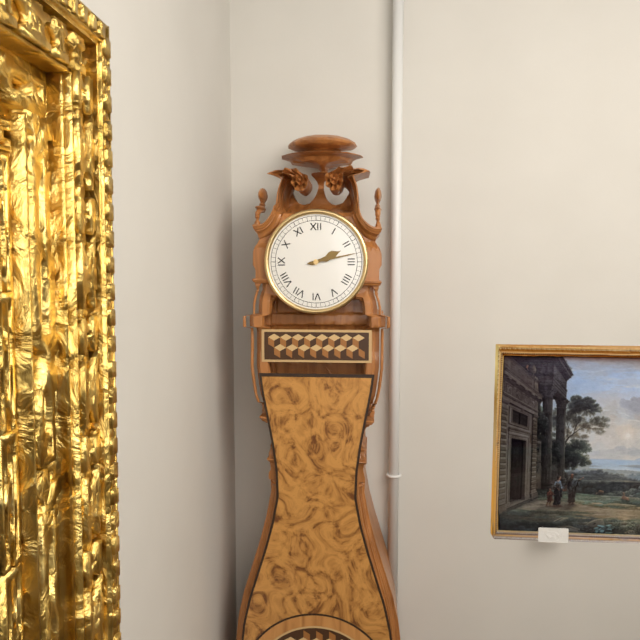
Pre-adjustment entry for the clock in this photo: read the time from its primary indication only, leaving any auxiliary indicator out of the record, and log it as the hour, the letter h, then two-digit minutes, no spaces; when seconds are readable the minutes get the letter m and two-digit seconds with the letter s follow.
2h13
